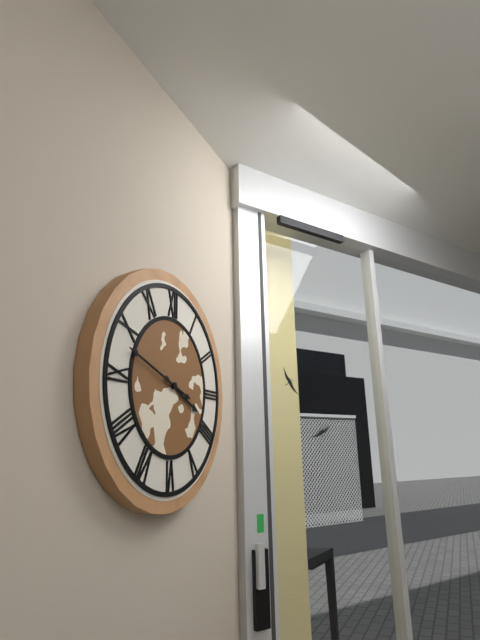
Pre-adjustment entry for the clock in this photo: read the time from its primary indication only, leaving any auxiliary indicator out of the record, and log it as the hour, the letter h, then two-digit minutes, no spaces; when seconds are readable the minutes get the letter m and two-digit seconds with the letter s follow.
3h48
